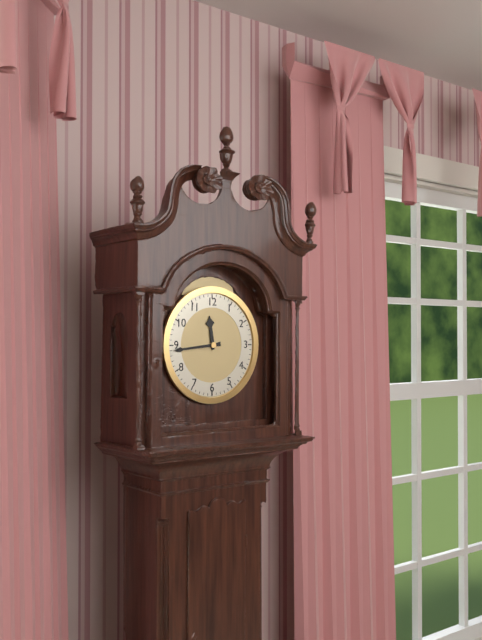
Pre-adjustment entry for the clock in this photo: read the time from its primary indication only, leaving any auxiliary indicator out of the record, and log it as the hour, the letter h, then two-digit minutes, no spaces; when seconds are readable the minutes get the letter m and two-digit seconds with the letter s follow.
11h44
